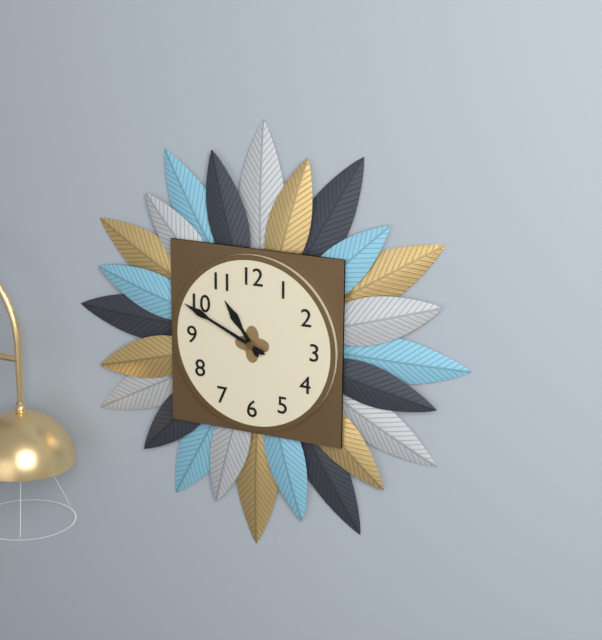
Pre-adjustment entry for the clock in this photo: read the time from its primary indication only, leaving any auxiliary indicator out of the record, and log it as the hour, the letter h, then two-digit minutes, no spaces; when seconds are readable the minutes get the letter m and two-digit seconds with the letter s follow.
10h49
